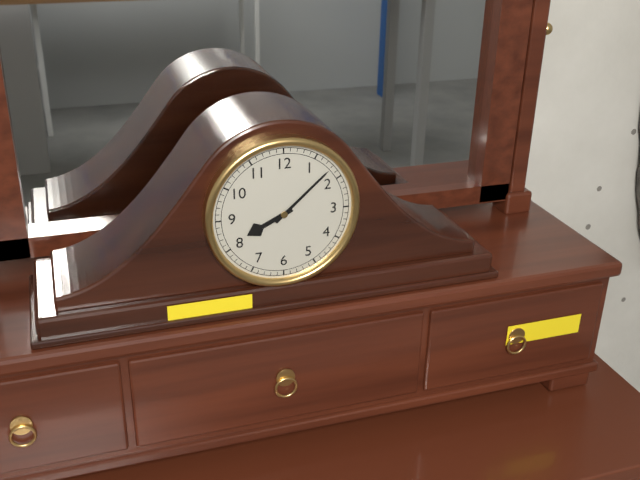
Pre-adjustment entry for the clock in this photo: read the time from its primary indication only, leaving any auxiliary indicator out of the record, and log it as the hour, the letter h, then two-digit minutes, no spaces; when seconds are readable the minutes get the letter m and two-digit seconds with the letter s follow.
8h08
